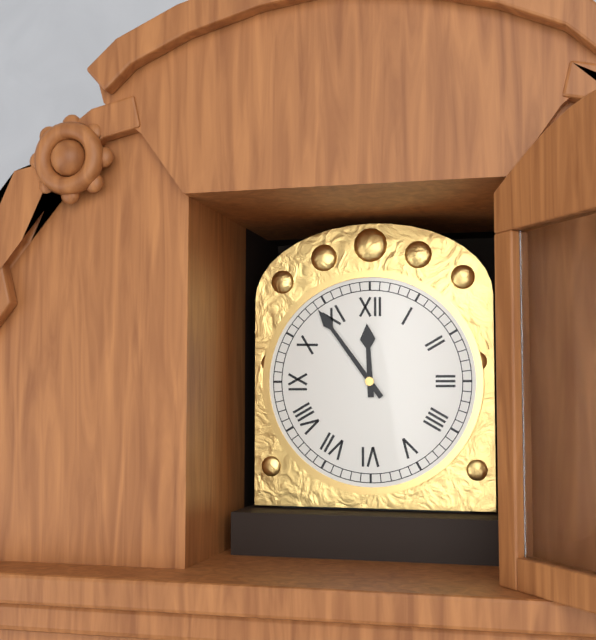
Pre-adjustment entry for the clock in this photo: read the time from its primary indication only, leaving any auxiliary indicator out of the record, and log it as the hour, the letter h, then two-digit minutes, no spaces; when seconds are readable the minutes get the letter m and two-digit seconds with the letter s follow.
11h54
